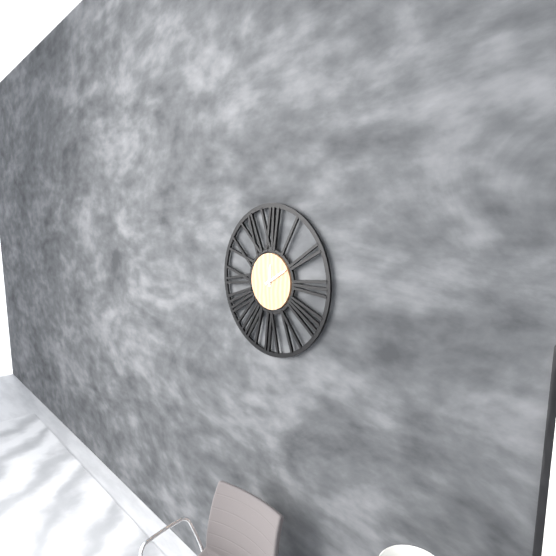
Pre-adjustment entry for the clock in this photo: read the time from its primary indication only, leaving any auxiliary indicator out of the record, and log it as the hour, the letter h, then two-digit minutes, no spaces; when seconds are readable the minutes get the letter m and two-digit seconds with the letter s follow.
12h10
